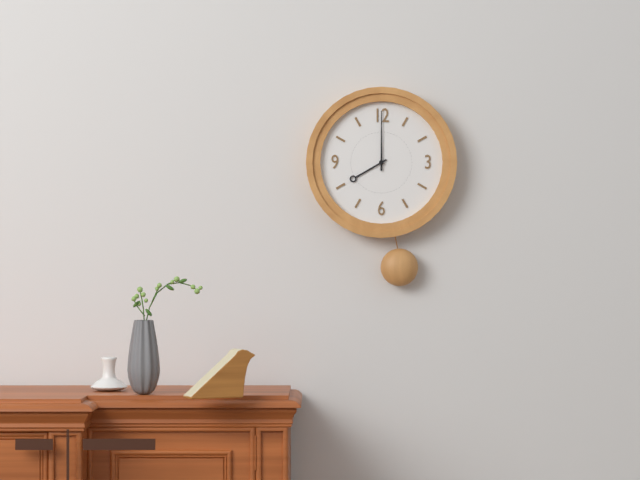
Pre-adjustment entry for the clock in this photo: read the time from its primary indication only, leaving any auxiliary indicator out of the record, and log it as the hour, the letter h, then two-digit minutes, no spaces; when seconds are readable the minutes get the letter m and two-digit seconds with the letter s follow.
8h00
